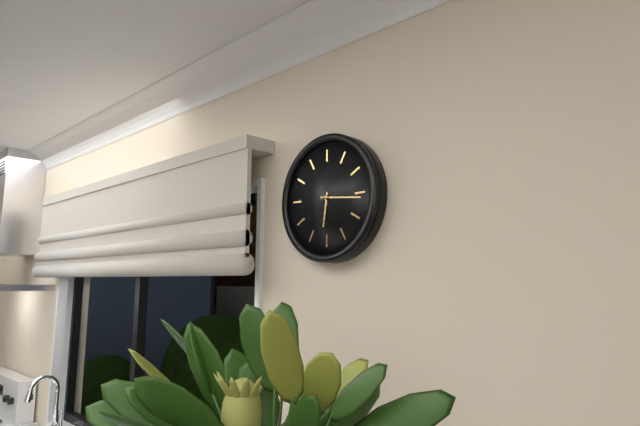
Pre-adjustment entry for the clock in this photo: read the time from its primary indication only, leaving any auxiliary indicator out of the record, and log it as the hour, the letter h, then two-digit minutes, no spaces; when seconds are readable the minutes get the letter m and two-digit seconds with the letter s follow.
6h16
